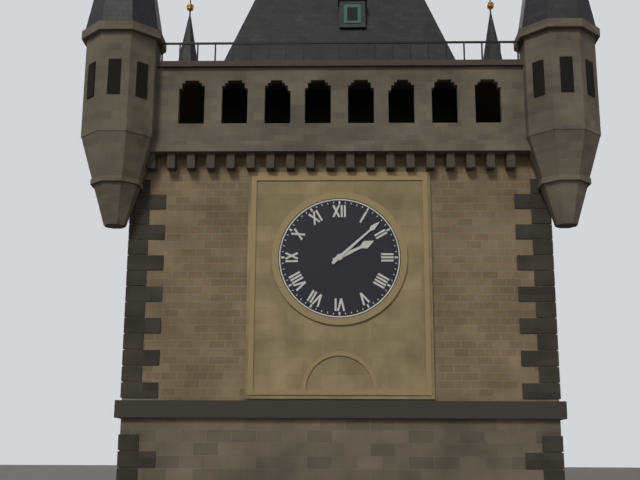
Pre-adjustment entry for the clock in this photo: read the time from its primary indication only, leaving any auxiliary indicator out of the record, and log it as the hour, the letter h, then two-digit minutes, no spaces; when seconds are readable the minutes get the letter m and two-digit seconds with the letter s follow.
2h08
